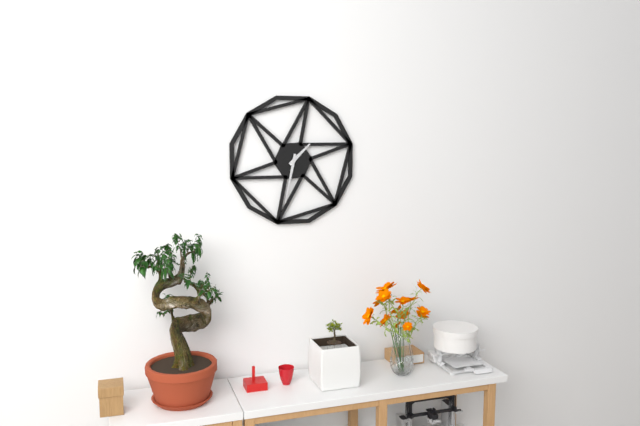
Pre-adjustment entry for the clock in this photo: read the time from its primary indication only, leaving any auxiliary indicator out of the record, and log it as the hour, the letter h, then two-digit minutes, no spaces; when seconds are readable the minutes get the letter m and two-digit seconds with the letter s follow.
1h32
